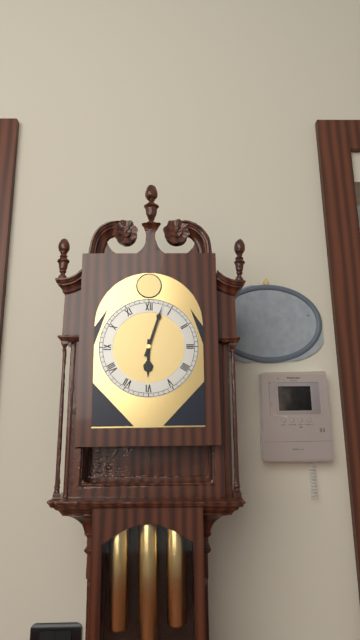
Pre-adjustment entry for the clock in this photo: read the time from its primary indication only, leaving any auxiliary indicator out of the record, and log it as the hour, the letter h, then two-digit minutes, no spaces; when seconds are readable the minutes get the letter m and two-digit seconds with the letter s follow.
6h03
